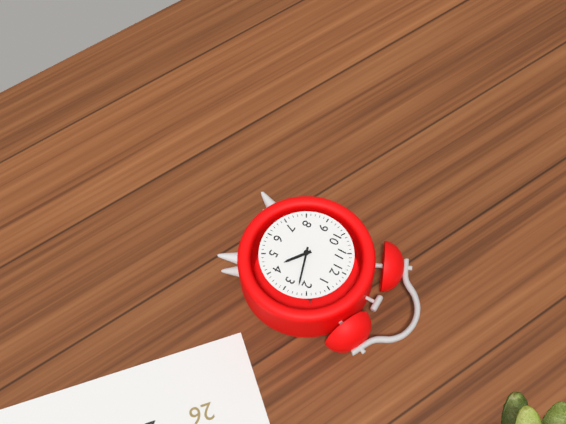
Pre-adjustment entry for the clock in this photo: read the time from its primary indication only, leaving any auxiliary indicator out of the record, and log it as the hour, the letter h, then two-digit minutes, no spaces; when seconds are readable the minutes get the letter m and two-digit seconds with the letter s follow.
4h12
